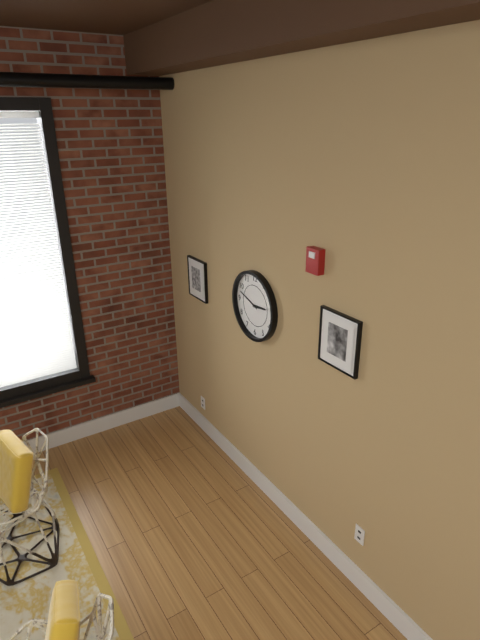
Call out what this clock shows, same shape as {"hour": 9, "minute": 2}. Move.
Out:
{"hour": 2, "minute": 48}
